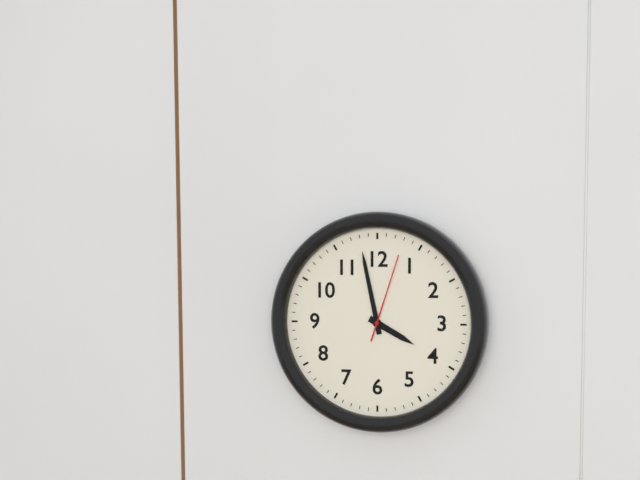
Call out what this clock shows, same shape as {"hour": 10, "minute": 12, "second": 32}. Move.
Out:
{"hour": 3, "minute": 58, "second": 3}
